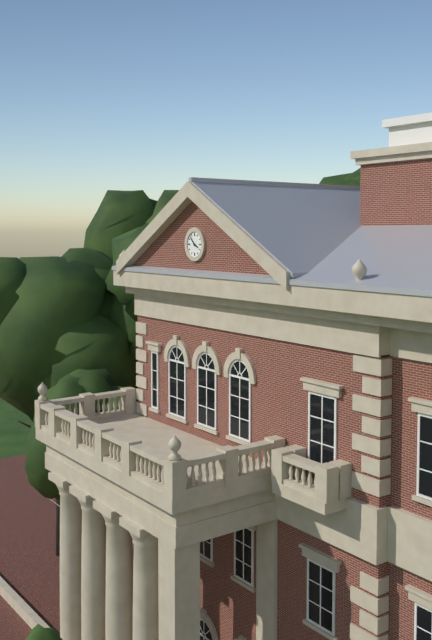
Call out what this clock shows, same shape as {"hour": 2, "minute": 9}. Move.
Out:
{"hour": 3, "minute": 53}
